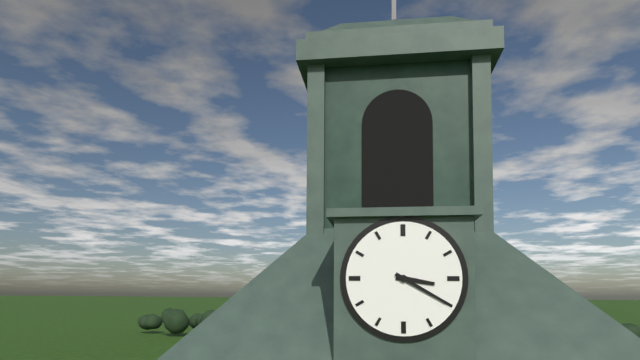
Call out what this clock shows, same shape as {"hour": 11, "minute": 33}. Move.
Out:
{"hour": 3, "minute": 20}
